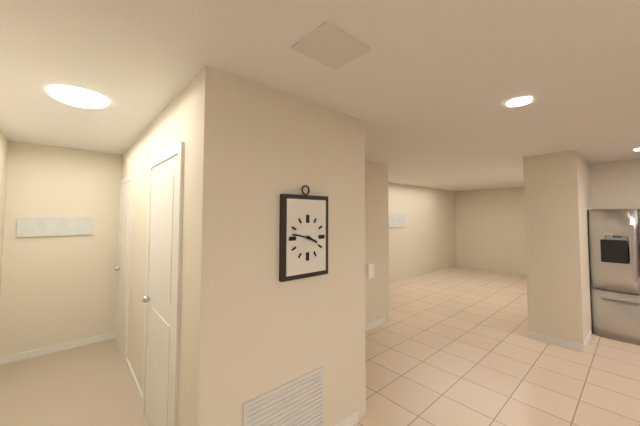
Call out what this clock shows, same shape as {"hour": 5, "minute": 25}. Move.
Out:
{"hour": 3, "minute": 47}
